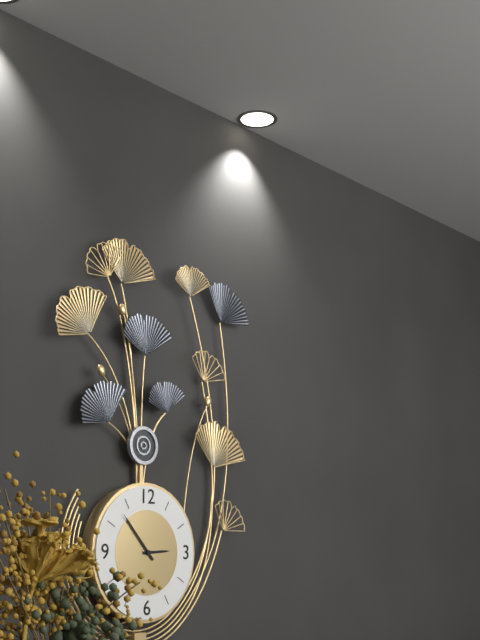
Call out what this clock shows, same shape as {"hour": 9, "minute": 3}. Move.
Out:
{"hour": 2, "minute": 53}
